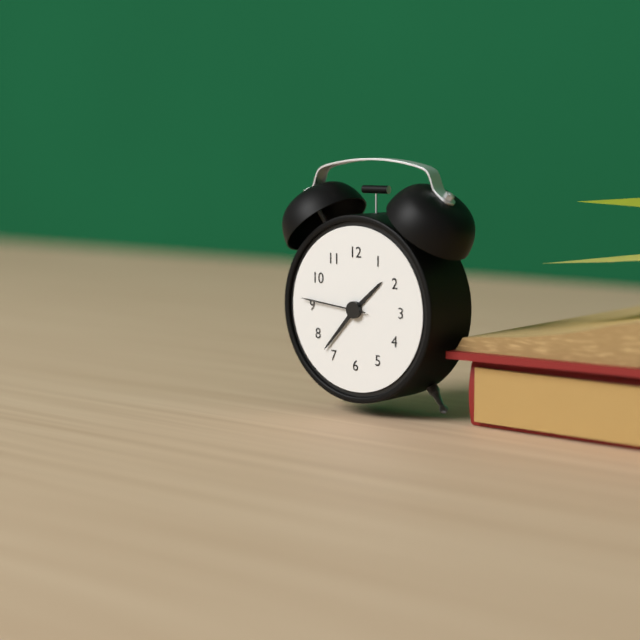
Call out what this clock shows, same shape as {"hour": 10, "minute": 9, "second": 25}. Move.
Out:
{"hour": 1, "minute": 37, "second": 46}
